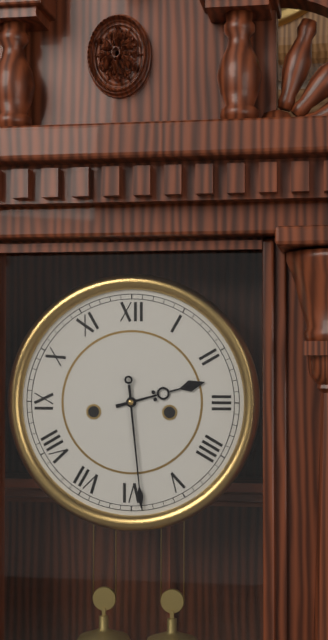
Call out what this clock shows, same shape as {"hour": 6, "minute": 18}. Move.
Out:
{"hour": 2, "minute": 29}
